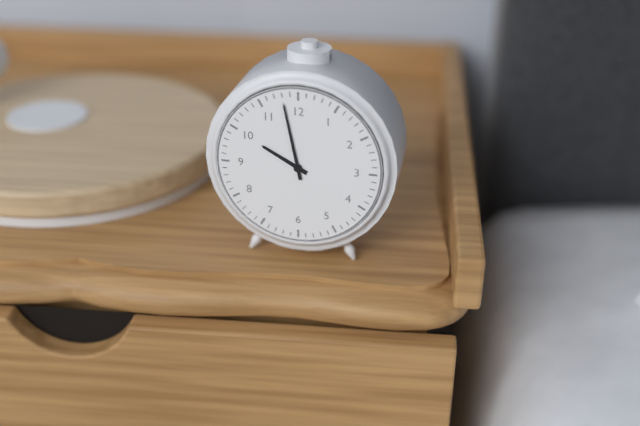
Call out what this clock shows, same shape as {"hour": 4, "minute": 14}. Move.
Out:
{"hour": 9, "minute": 58}
